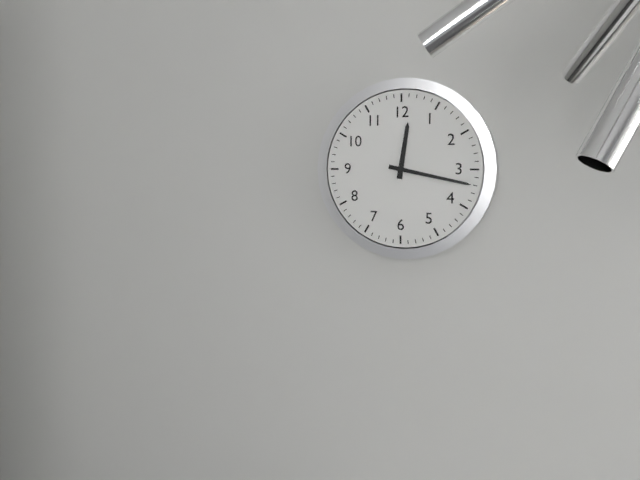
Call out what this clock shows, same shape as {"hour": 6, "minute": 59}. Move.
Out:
{"hour": 12, "minute": 17}
